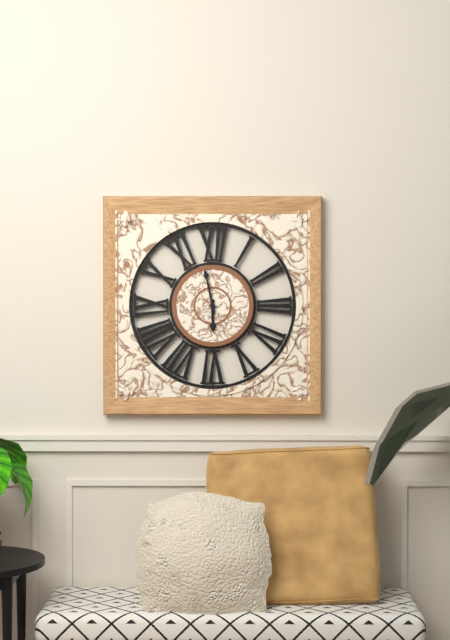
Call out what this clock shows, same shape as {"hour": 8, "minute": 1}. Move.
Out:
{"hour": 5, "minute": 58}
